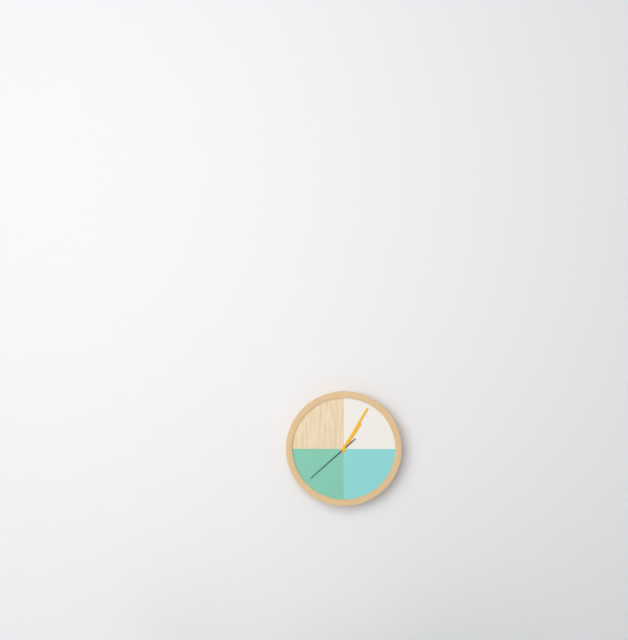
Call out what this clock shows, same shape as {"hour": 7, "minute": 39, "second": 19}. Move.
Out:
{"hour": 1, "minute": 5, "second": 38}
